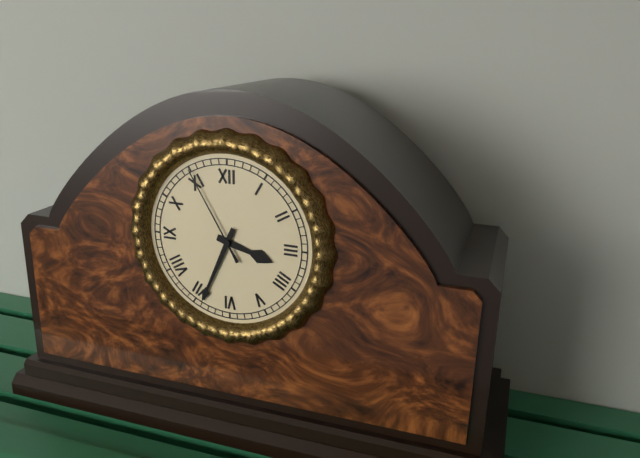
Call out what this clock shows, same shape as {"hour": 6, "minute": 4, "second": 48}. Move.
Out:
{"hour": 3, "minute": 34, "second": 55}
